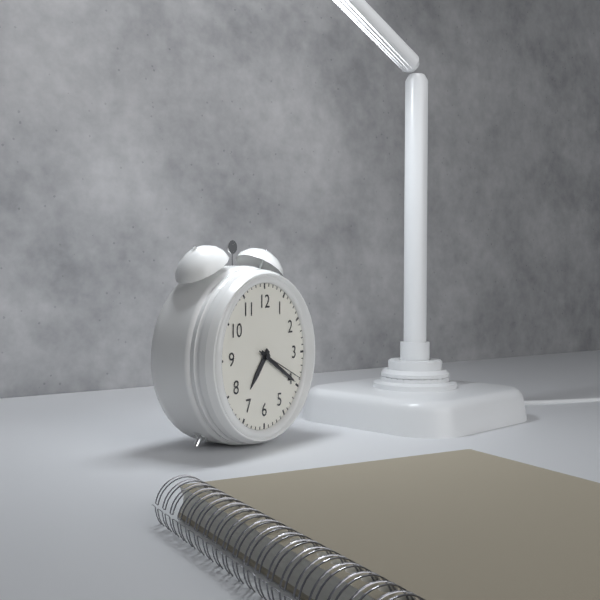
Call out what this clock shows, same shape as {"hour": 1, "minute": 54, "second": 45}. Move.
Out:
{"hour": 7, "minute": 20, "second": 19}
